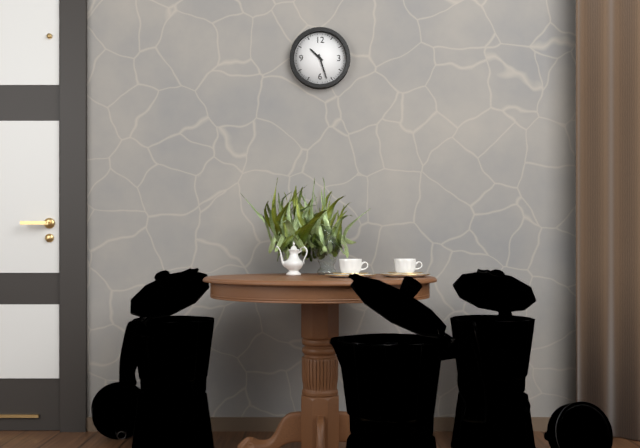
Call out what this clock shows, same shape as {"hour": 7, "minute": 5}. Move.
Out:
{"hour": 10, "minute": 27}
